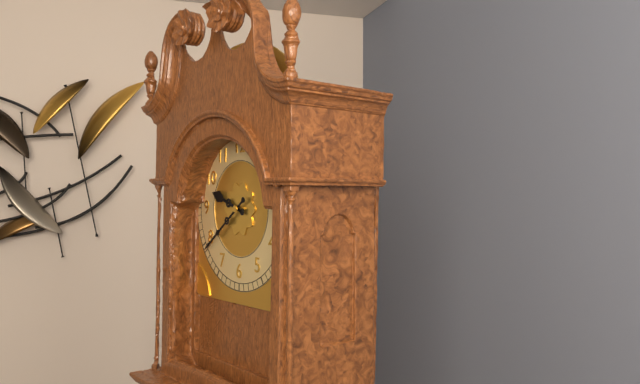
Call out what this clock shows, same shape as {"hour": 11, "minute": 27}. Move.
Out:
{"hour": 9, "minute": 39}
